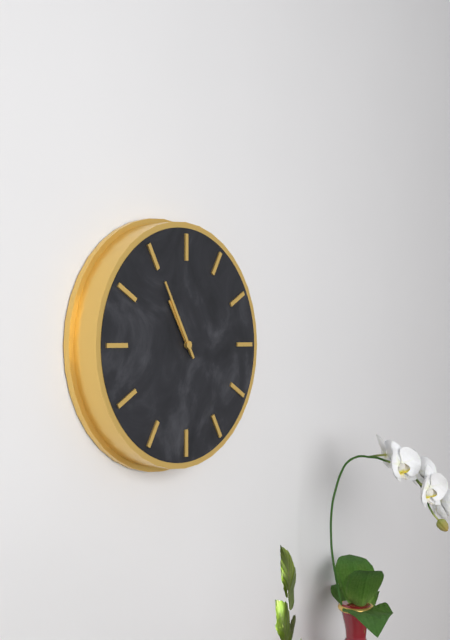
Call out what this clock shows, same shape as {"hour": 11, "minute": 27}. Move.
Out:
{"hour": 10, "minute": 55}
